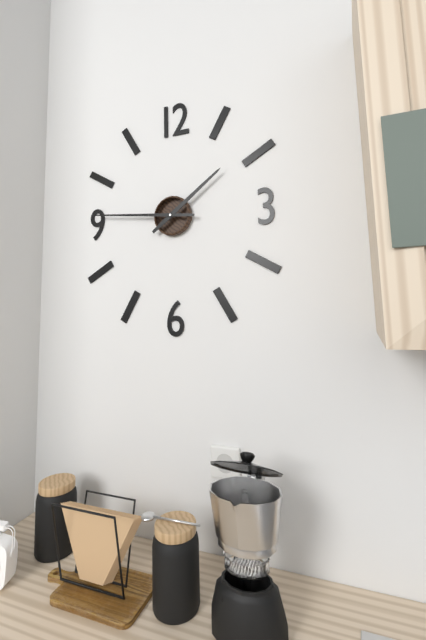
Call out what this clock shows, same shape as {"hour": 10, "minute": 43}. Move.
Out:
{"hour": 1, "minute": 46}
